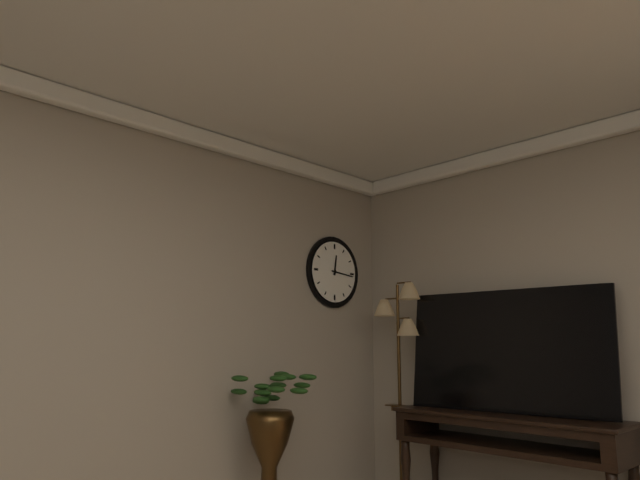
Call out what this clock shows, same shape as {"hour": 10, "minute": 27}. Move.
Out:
{"hour": 12, "minute": 16}
